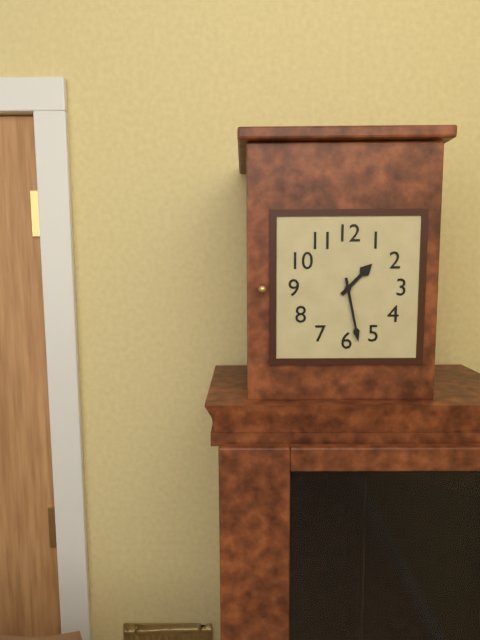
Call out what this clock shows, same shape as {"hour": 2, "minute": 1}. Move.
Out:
{"hour": 1, "minute": 28}
